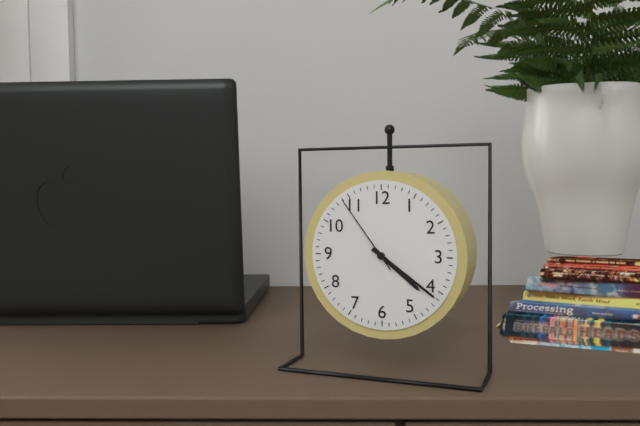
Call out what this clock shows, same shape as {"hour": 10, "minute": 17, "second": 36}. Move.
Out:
{"hour": 4, "minute": 21, "second": 54}
